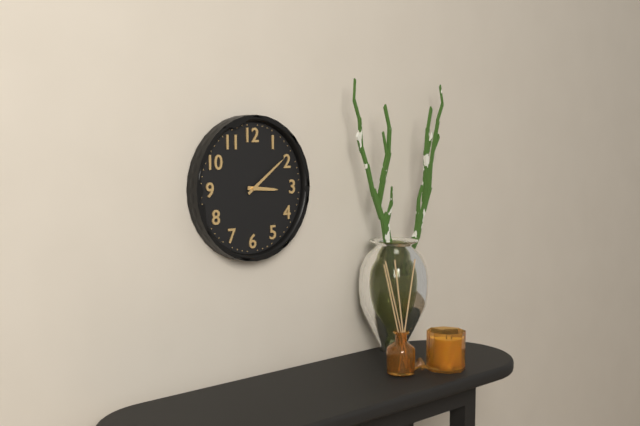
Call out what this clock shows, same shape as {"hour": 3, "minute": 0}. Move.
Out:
{"hour": 3, "minute": 9}
